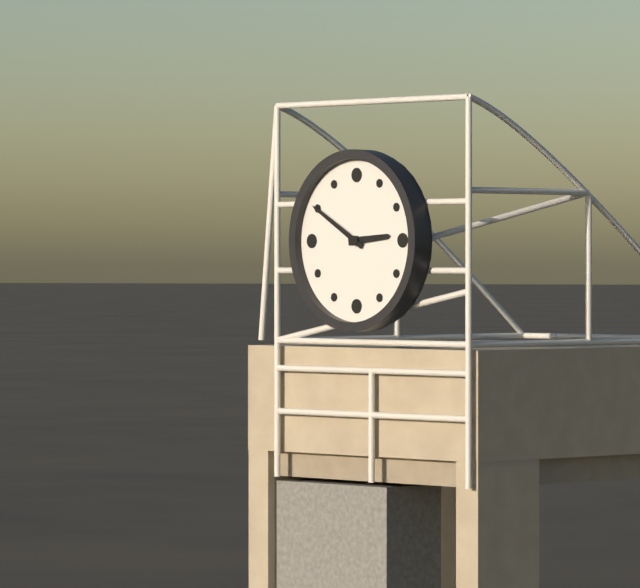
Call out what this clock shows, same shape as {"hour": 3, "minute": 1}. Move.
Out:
{"hour": 2, "minute": 50}
